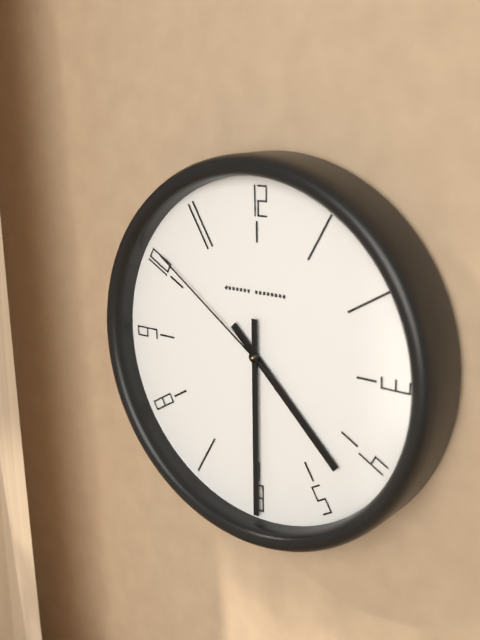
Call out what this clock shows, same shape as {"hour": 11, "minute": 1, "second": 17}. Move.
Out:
{"hour": 4, "minute": 30, "second": 51}
